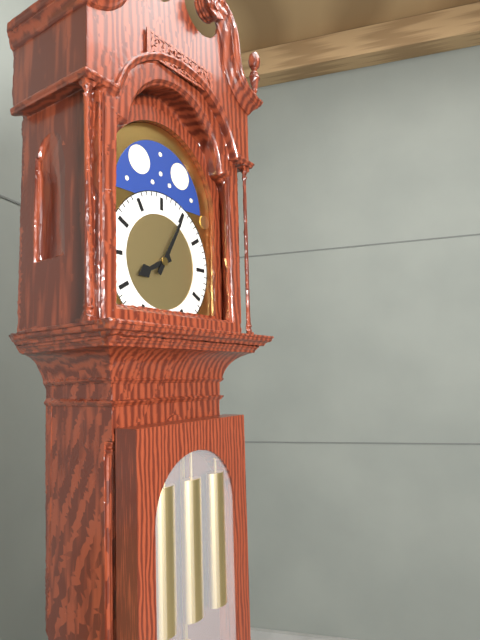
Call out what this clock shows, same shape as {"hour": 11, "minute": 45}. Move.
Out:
{"hour": 8, "minute": 5}
